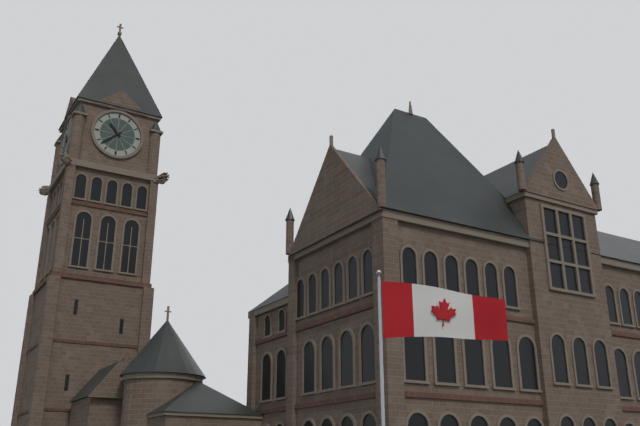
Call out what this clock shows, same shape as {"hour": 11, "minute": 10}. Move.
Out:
{"hour": 10, "minute": 38}
